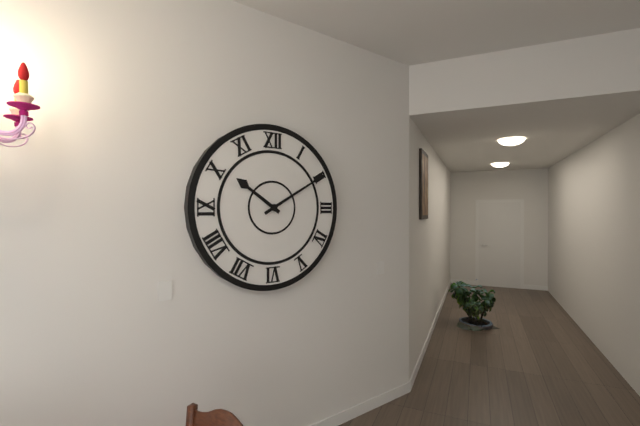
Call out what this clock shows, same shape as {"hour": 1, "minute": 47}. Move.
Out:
{"hour": 10, "minute": 10}
